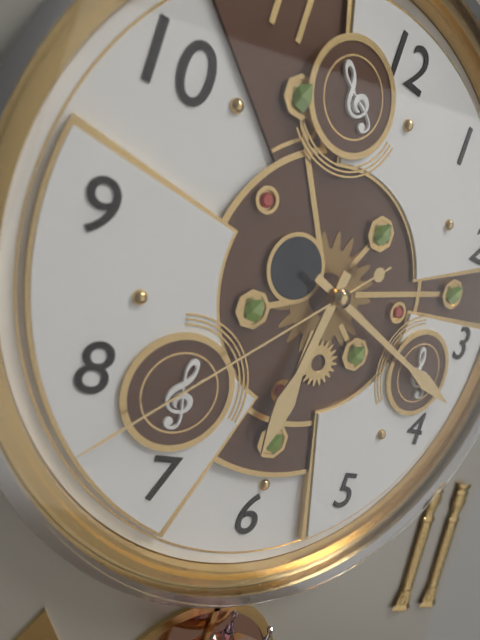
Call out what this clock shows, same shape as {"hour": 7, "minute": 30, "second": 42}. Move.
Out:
{"hour": 6, "minute": 18, "second": 38}
